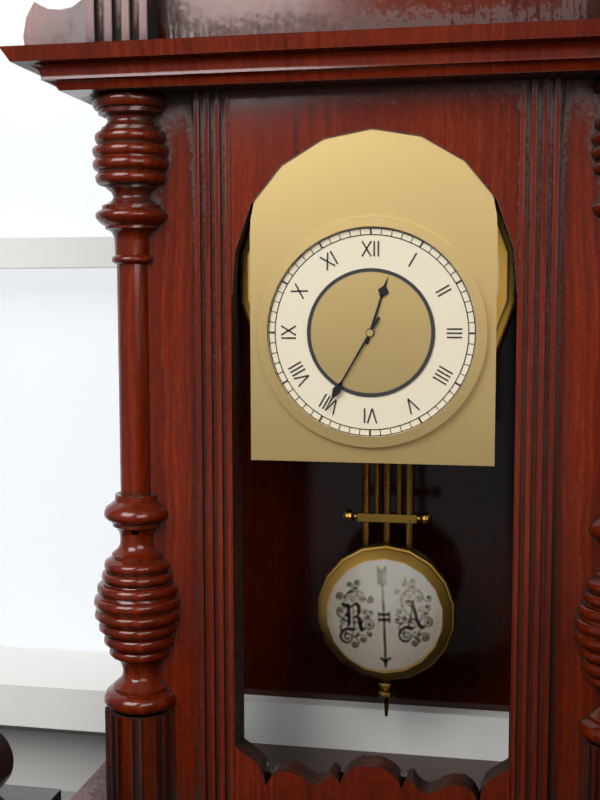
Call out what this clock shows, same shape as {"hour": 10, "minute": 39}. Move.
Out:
{"hour": 12, "minute": 35}
